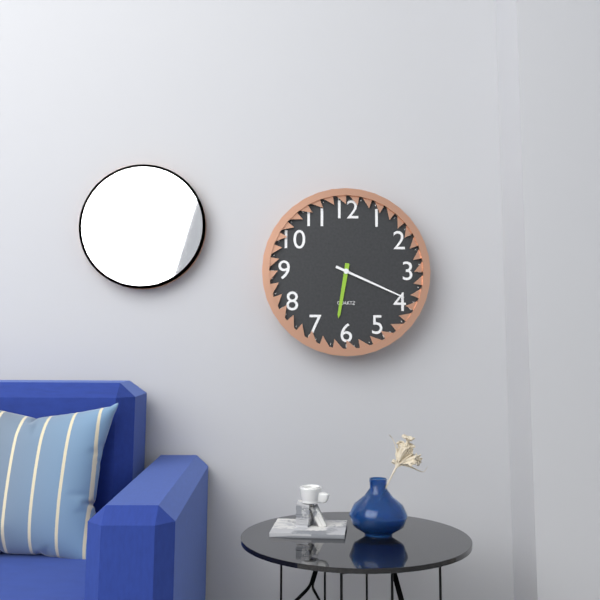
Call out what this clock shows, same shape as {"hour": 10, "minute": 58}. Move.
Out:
{"hour": 6, "minute": 19}
